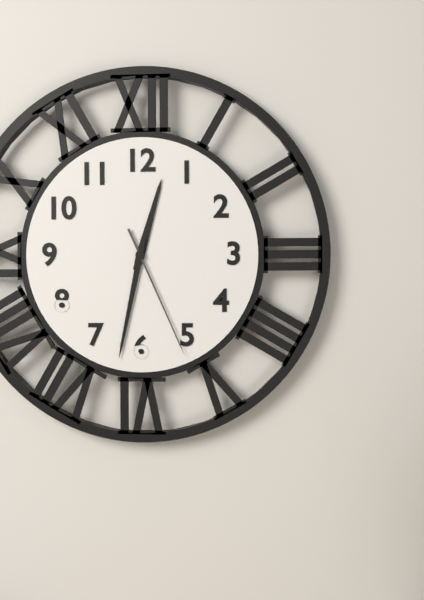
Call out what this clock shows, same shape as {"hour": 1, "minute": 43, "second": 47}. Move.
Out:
{"hour": 12, "minute": 32, "second": 26}
